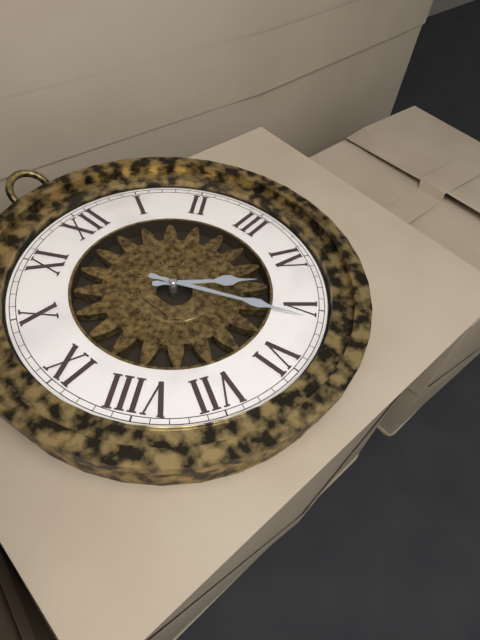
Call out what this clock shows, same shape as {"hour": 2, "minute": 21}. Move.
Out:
{"hour": 4, "minute": 26}
